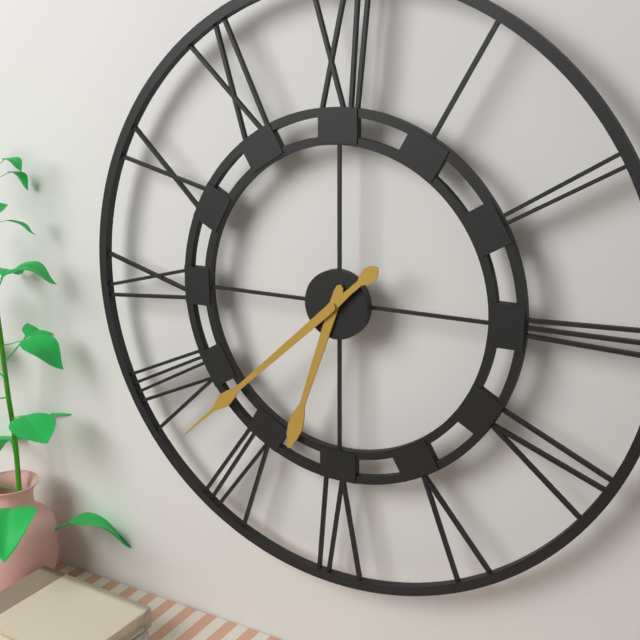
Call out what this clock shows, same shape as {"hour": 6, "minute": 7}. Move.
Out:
{"hour": 6, "minute": 38}
